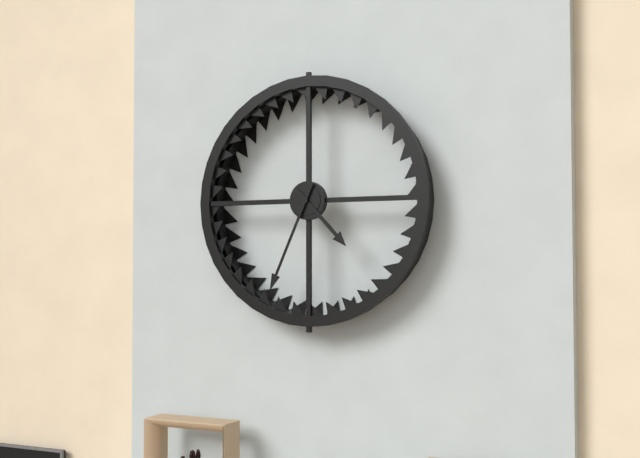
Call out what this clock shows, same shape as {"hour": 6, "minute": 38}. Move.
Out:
{"hour": 4, "minute": 34}
